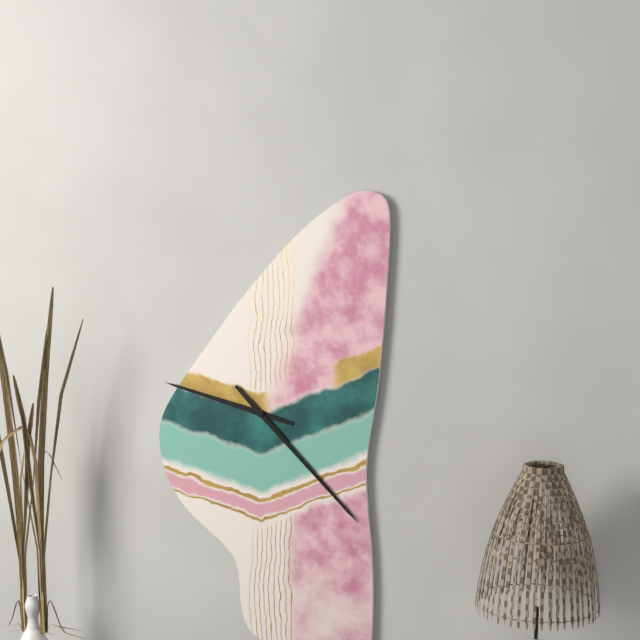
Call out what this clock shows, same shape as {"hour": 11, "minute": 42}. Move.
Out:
{"hour": 9, "minute": 22}
